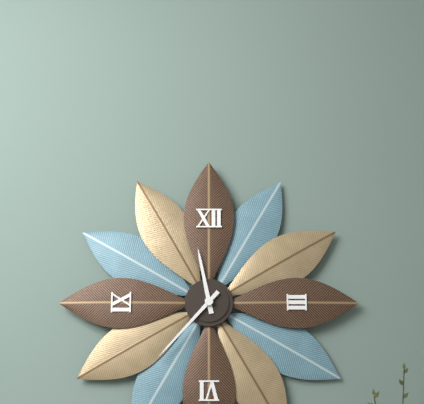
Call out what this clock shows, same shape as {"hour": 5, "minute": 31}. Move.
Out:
{"hour": 11, "minute": 37}
